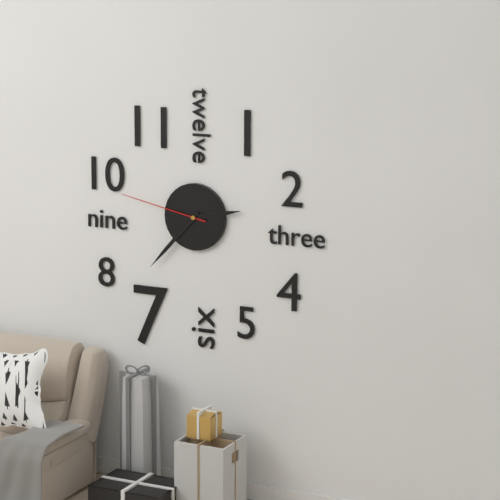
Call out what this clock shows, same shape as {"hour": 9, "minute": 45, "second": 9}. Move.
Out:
{"hour": 2, "minute": 37, "second": 47}
